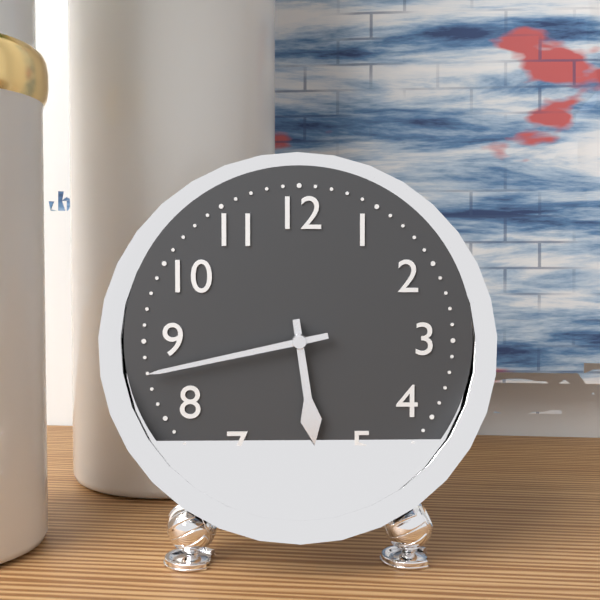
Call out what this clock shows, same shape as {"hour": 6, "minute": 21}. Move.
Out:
{"hour": 5, "minute": 43}
